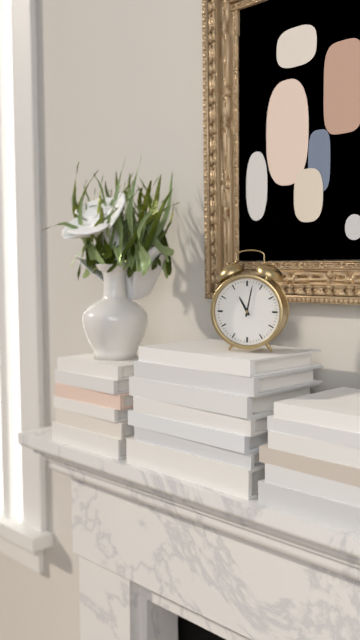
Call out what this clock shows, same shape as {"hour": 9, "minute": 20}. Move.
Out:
{"hour": 11, "minute": 2}
